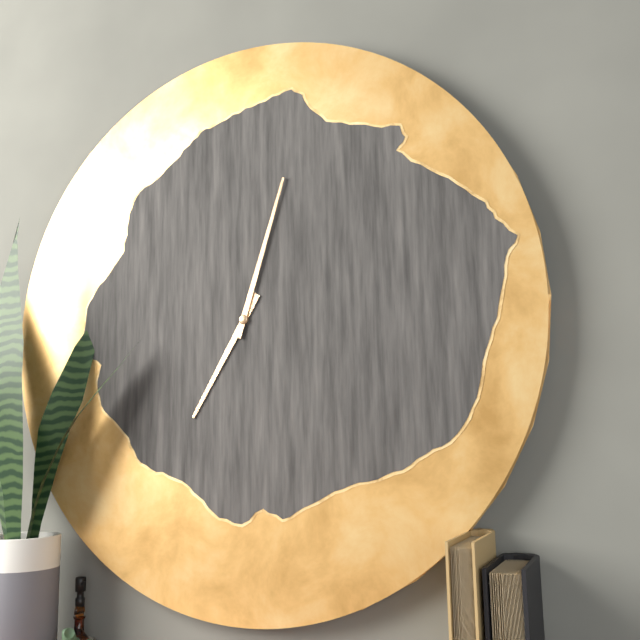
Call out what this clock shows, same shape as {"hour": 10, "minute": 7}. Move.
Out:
{"hour": 7, "minute": 3}
